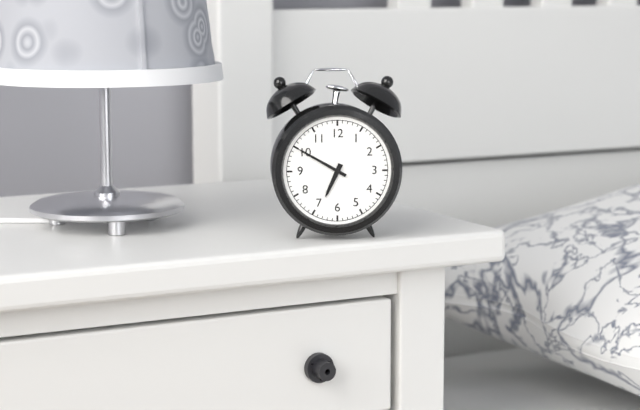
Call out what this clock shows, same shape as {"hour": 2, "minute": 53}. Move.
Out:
{"hour": 6, "minute": 50}
